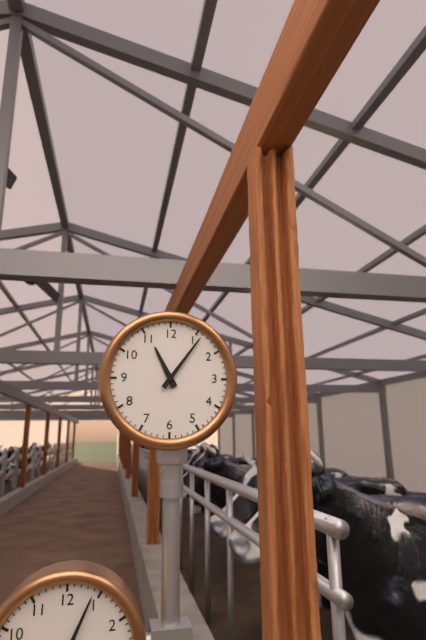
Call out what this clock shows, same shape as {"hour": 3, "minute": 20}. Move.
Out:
{"hour": 11, "minute": 6}
